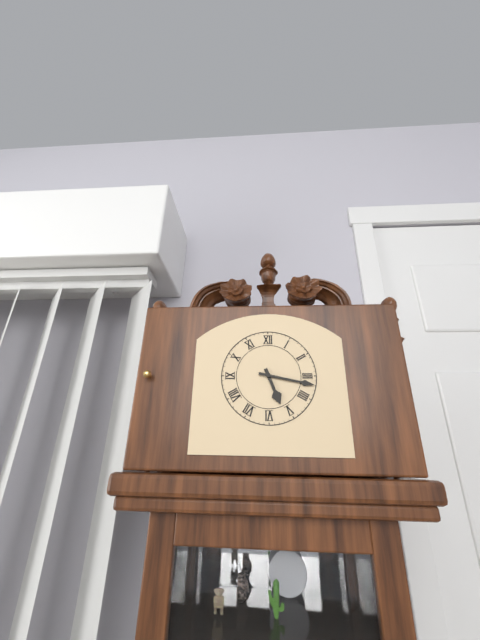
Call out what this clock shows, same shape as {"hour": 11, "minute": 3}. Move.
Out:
{"hour": 5, "minute": 17}
